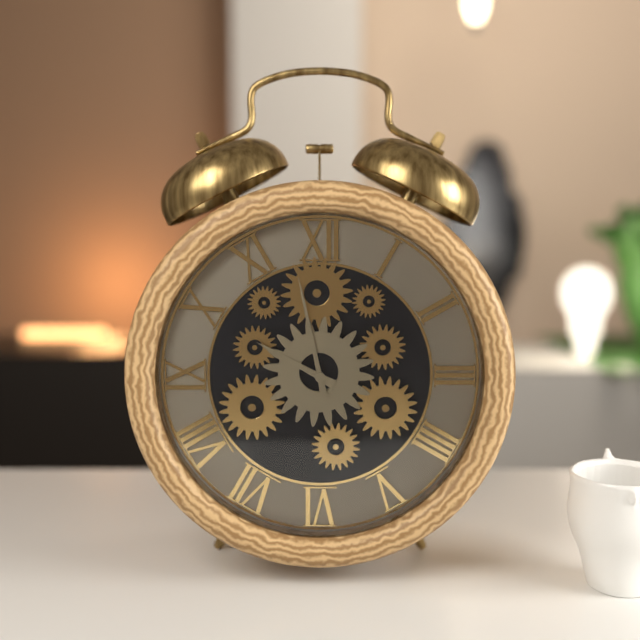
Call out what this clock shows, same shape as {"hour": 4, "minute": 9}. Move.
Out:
{"hour": 9, "minute": 58}
